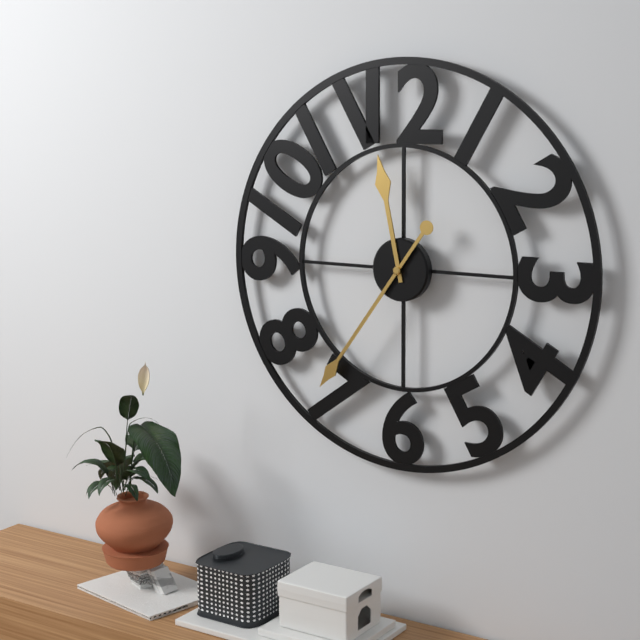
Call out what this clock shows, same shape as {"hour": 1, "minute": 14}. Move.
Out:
{"hour": 11, "minute": 36}
